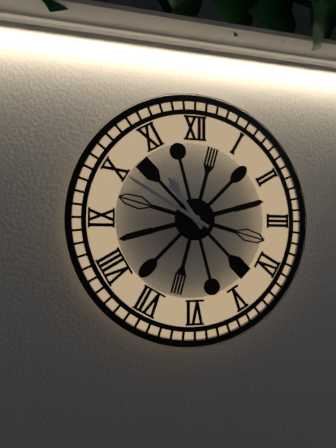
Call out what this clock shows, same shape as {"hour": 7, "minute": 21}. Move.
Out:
{"hour": 10, "minute": 50}
